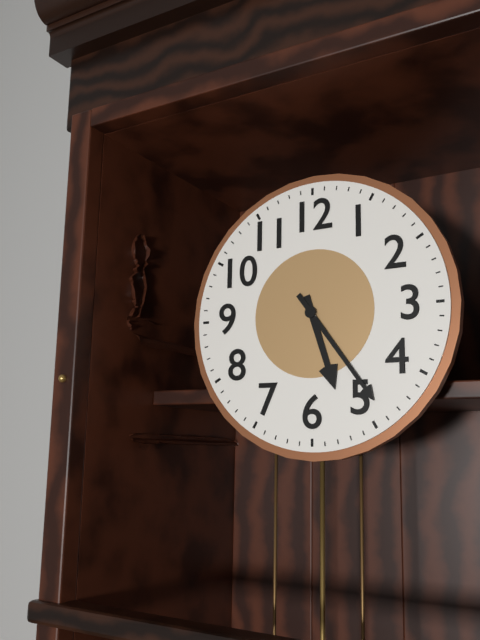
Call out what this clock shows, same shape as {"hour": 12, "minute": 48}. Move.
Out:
{"hour": 5, "minute": 24}
